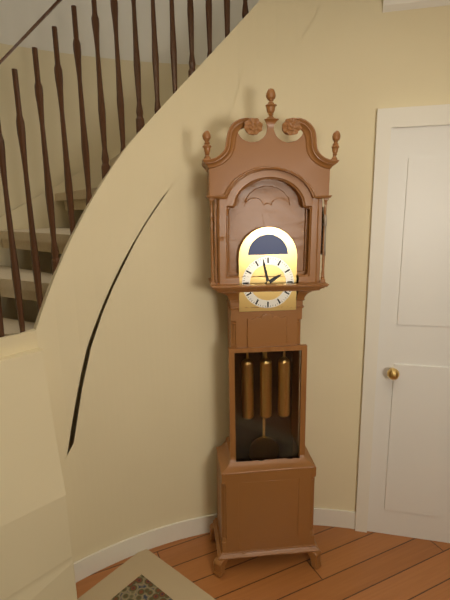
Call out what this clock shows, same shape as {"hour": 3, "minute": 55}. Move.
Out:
{"hour": 1, "minute": 58}
